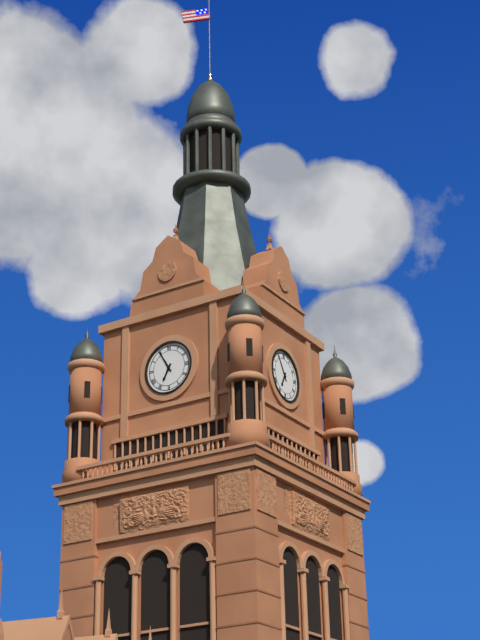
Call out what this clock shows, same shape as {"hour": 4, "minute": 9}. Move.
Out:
{"hour": 6, "minute": 55}
